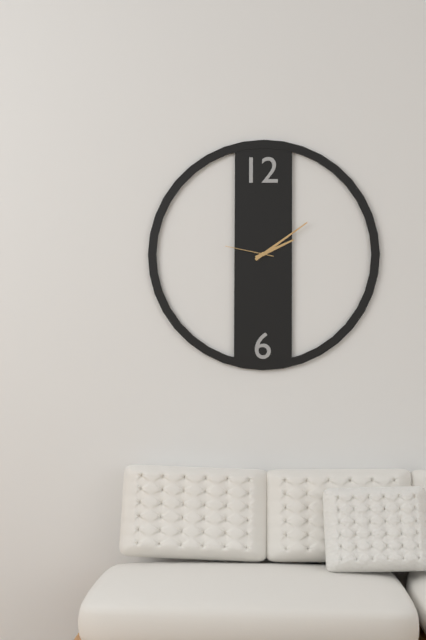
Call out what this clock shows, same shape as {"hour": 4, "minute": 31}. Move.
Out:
{"hour": 2, "minute": 9}
